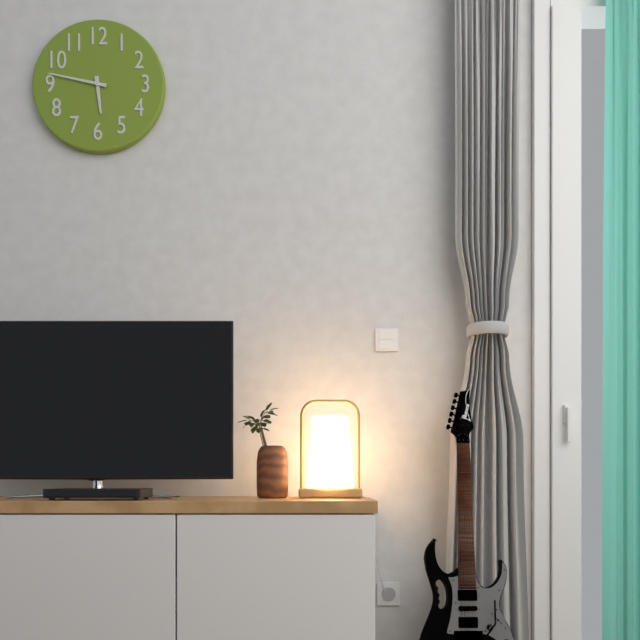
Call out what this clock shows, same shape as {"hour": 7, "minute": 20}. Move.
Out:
{"hour": 5, "minute": 47}
